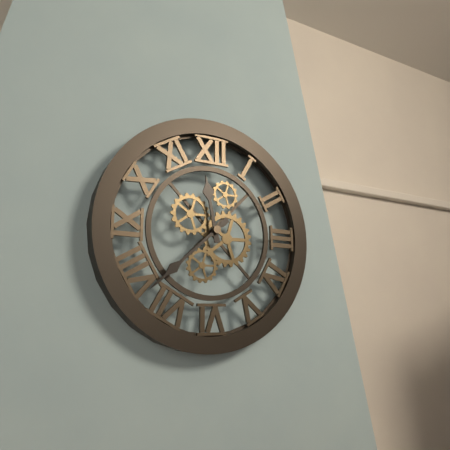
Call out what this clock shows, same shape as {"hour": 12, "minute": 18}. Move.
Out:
{"hour": 11, "minute": 38}
